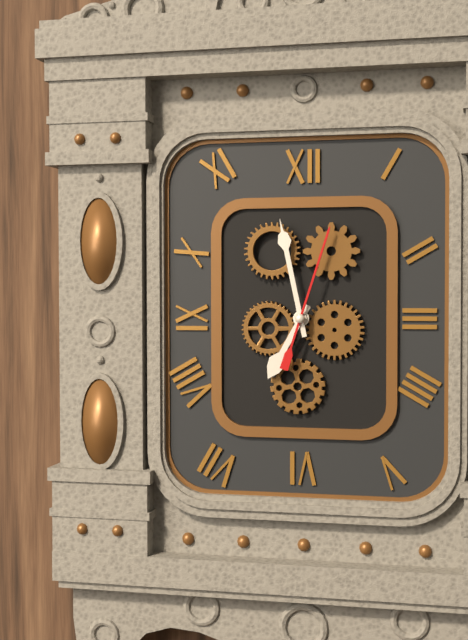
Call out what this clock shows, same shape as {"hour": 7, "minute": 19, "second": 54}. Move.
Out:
{"hour": 6, "minute": 58, "second": 3}
